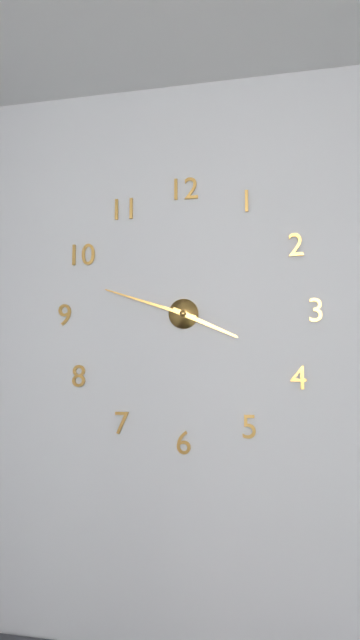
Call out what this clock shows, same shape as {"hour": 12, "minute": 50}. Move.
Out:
{"hour": 3, "minute": 48}
